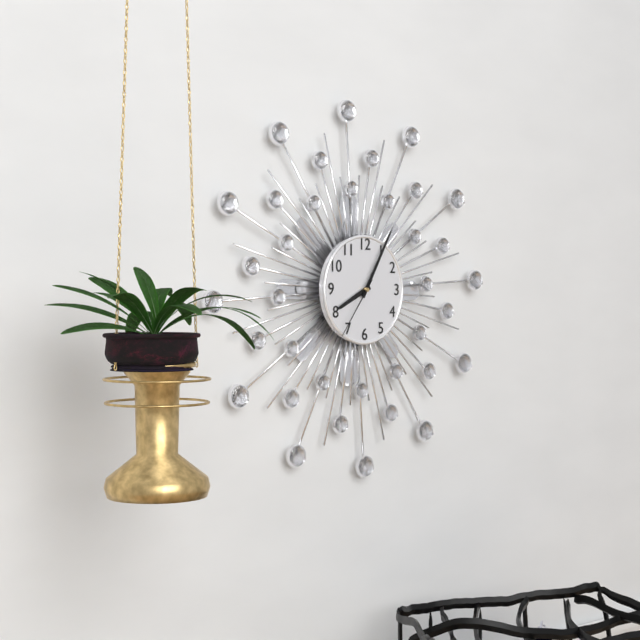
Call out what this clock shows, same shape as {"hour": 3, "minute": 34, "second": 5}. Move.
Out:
{"hour": 8, "minute": 5, "second": 36}
